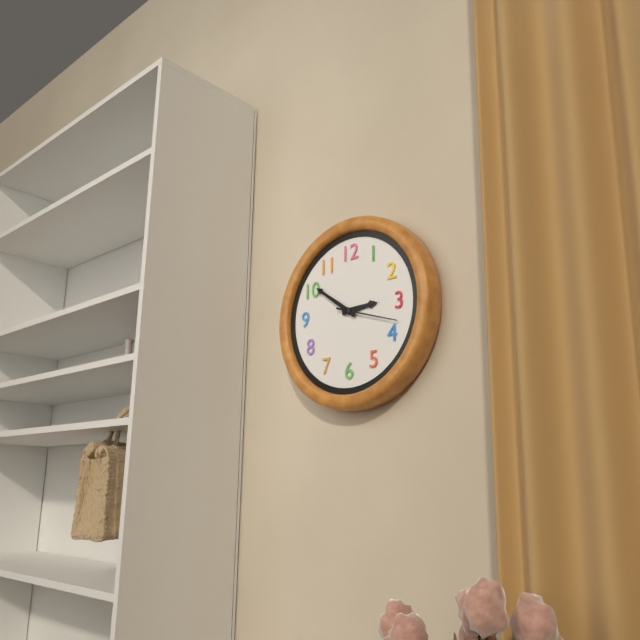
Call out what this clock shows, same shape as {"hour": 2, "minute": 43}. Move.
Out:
{"hour": 2, "minute": 51}
